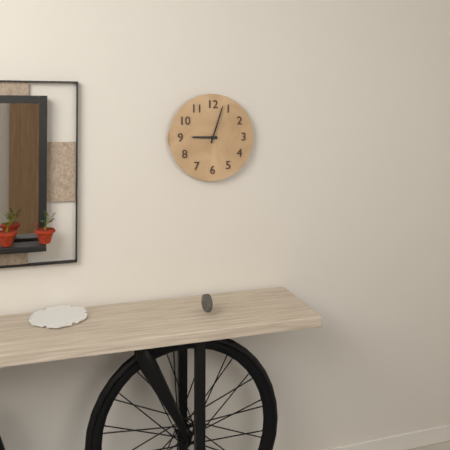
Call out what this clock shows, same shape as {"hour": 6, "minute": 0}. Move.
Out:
{"hour": 9, "minute": 3}
